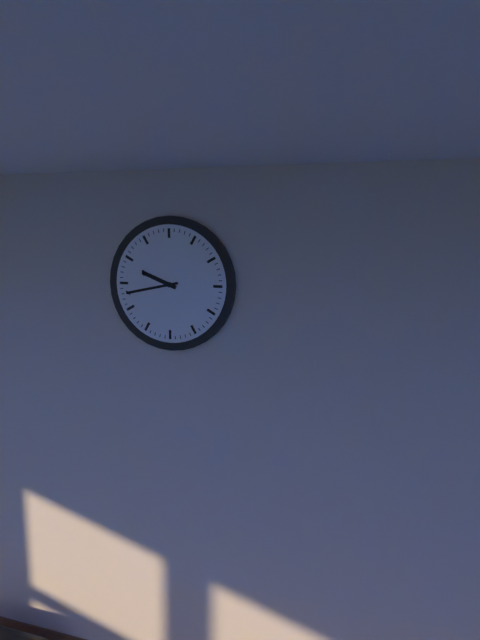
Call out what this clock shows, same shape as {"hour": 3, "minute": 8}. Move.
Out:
{"hour": 9, "minute": 43}
